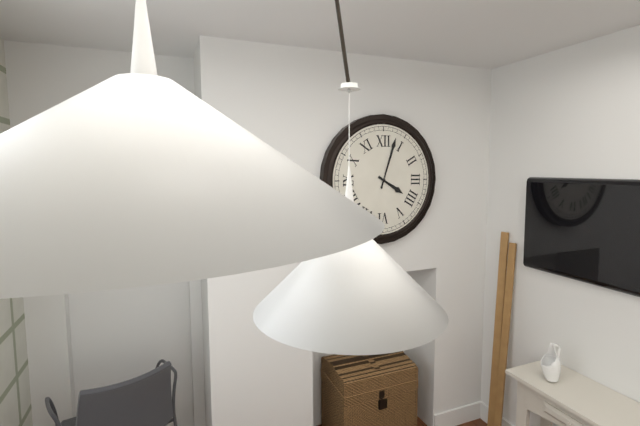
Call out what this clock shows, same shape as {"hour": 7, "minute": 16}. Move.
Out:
{"hour": 4, "minute": 3}
